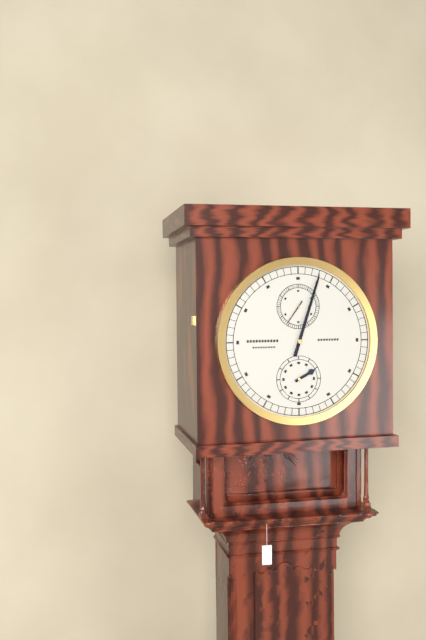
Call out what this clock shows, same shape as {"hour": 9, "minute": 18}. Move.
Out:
{"hour": 2, "minute": 3}
